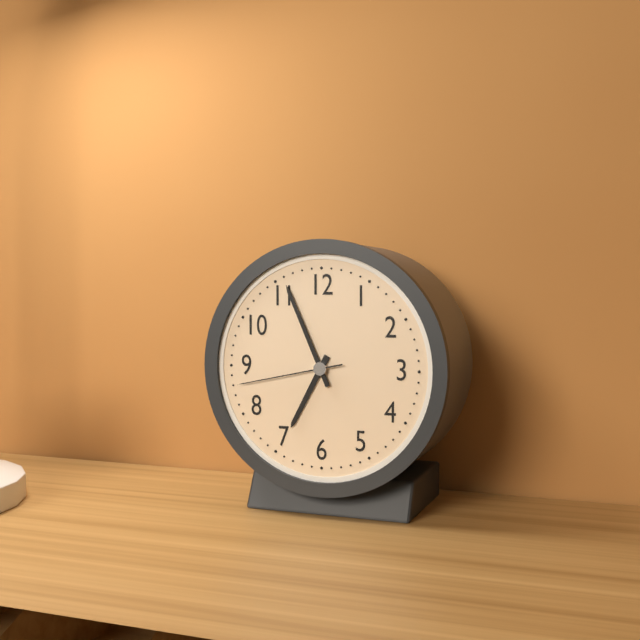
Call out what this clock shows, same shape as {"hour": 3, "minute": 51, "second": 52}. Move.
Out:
{"hour": 6, "minute": 56, "second": 43}
